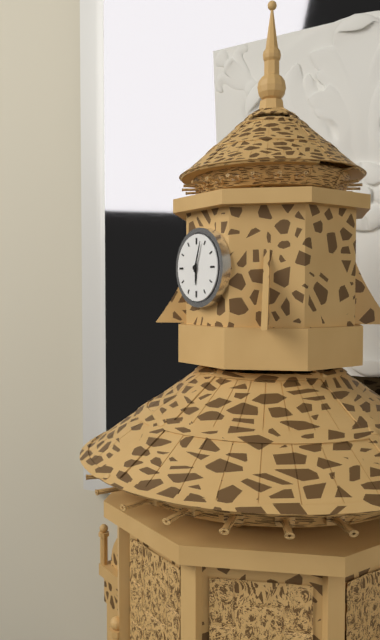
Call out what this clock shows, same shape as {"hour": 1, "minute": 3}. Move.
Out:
{"hour": 6, "minute": 3}
